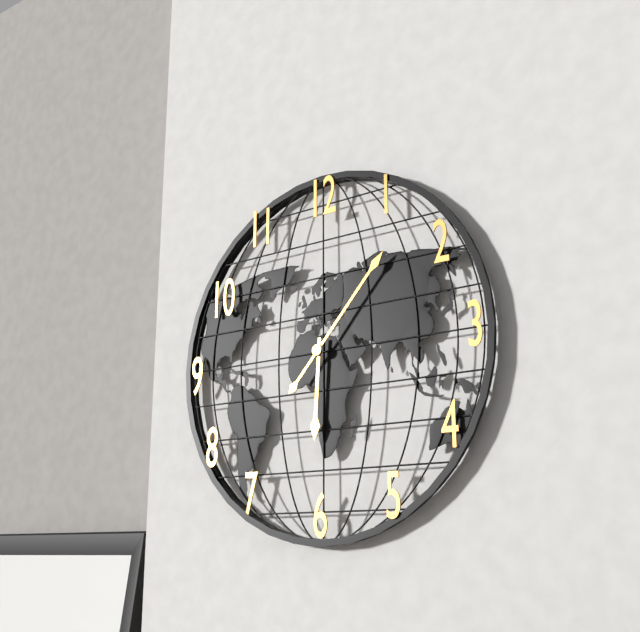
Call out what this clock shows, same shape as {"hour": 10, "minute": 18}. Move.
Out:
{"hour": 6, "minute": 7}
